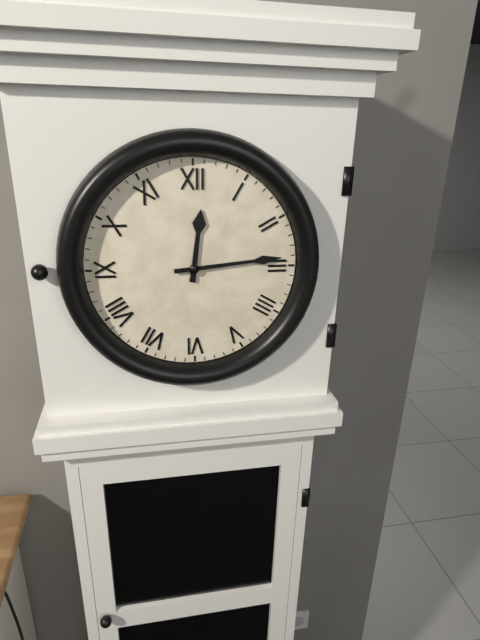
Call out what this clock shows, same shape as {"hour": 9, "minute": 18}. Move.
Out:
{"hour": 12, "minute": 14}
